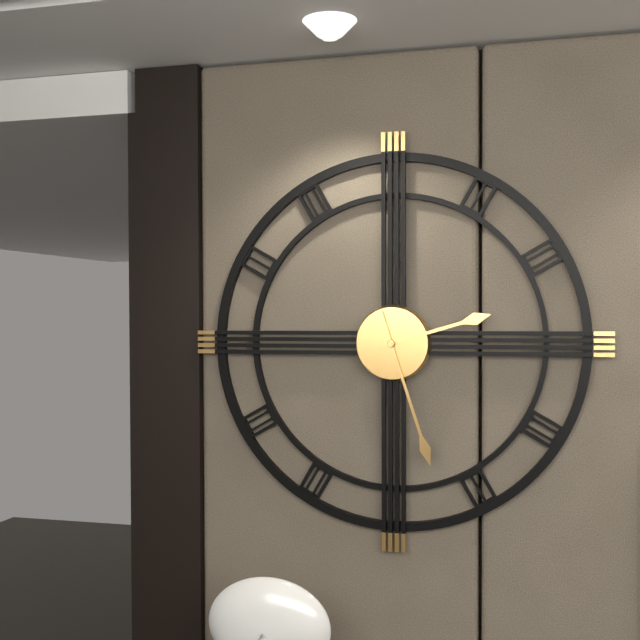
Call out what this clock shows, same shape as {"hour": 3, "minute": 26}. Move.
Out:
{"hour": 2, "minute": 27}
